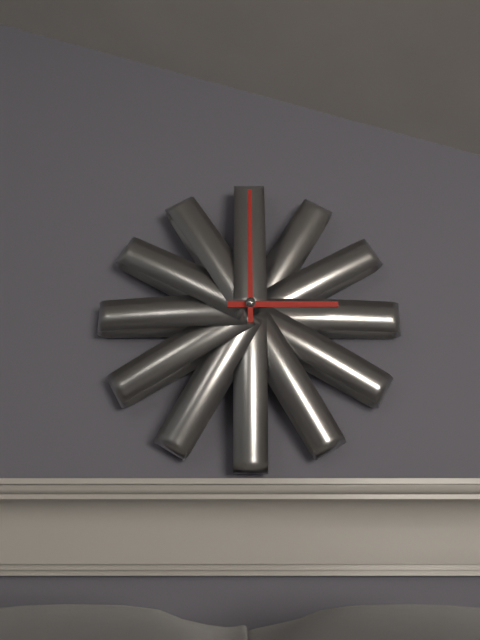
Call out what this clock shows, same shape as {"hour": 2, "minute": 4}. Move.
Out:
{"hour": 3, "minute": 0}
